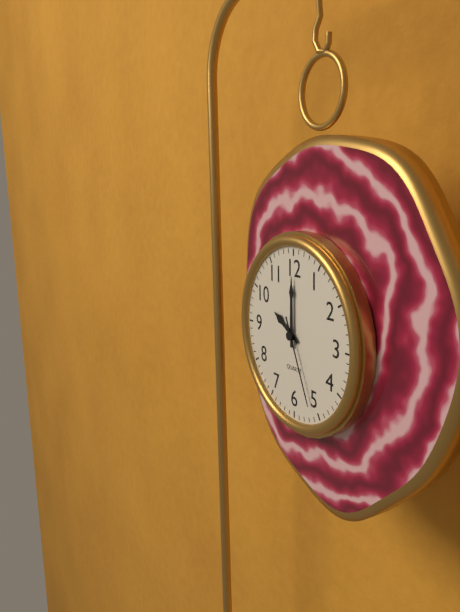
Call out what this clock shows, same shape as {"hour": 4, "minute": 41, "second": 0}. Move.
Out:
{"hour": 10, "minute": 0, "second": 26}
